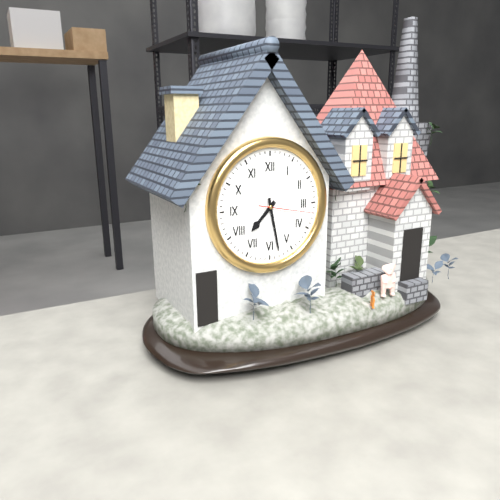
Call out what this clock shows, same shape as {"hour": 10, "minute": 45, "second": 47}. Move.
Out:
{"hour": 7, "minute": 28, "second": 17}
